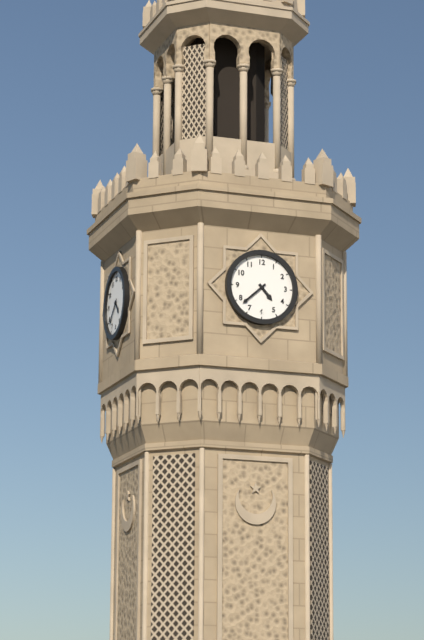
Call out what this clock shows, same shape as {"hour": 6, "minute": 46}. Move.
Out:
{"hour": 4, "minute": 38}
